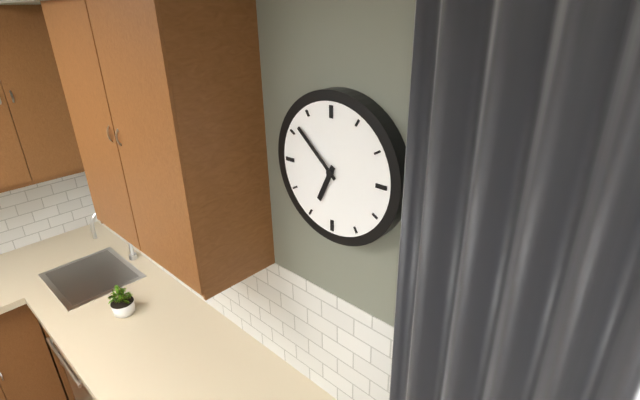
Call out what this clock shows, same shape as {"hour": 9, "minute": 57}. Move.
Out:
{"hour": 6, "minute": 52}
